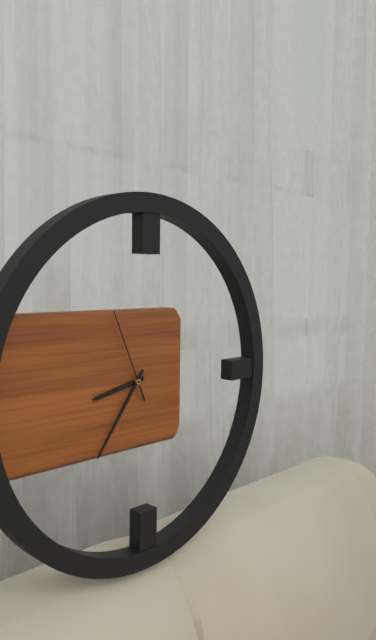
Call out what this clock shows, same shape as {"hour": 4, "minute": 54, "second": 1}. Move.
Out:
{"hour": 8, "minute": 36, "second": 56}
